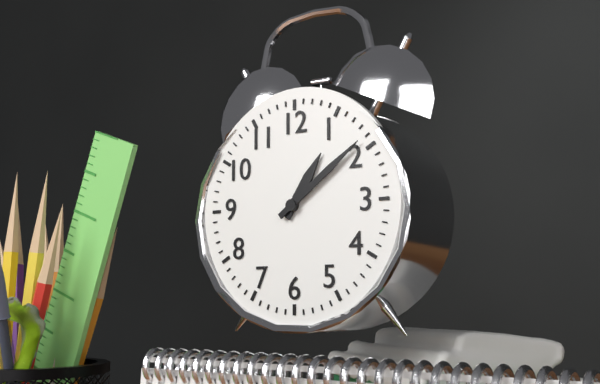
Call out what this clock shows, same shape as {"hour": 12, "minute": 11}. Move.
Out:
{"hour": 1, "minute": 9}
